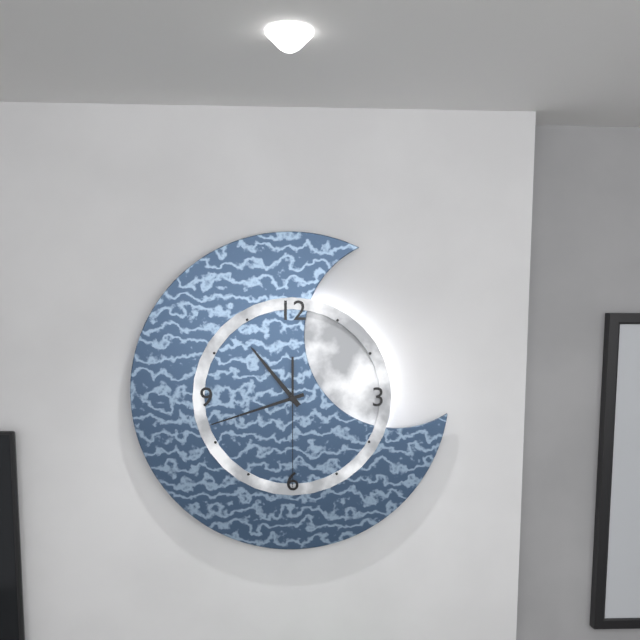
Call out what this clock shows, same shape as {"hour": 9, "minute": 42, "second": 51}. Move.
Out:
{"hour": 10, "minute": 42, "second": 30}
